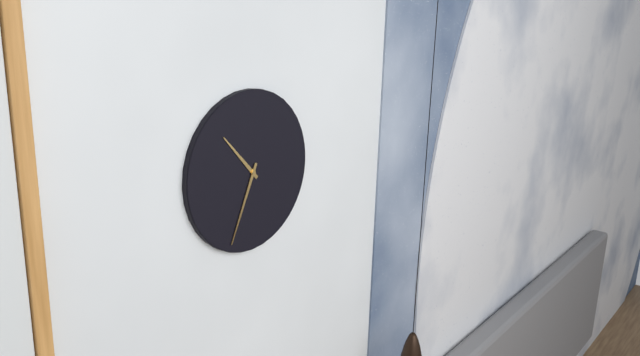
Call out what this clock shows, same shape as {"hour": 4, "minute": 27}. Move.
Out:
{"hour": 10, "minute": 34}
